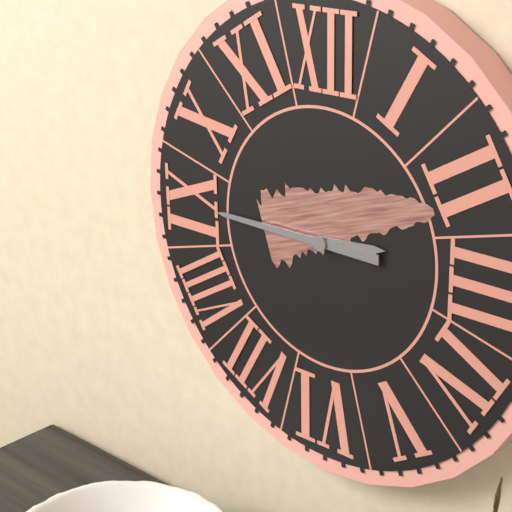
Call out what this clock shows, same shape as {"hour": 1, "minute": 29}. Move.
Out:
{"hour": 2, "minute": 45}
